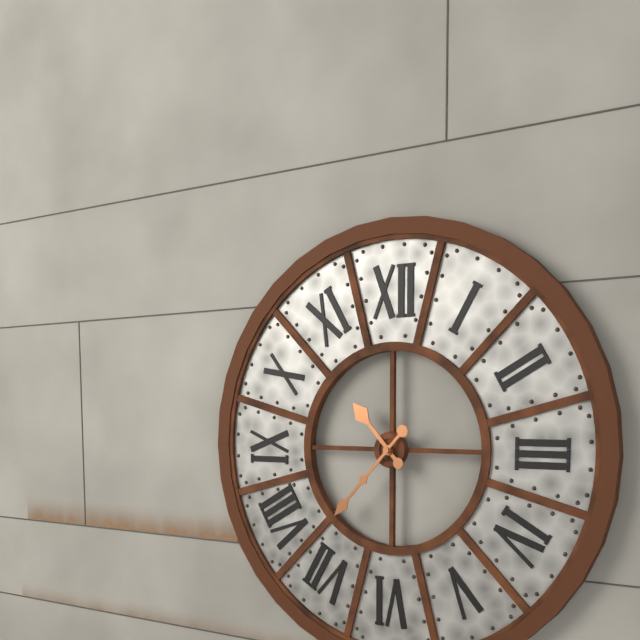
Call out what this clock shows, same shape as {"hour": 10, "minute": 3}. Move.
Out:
{"hour": 10, "minute": 37}
